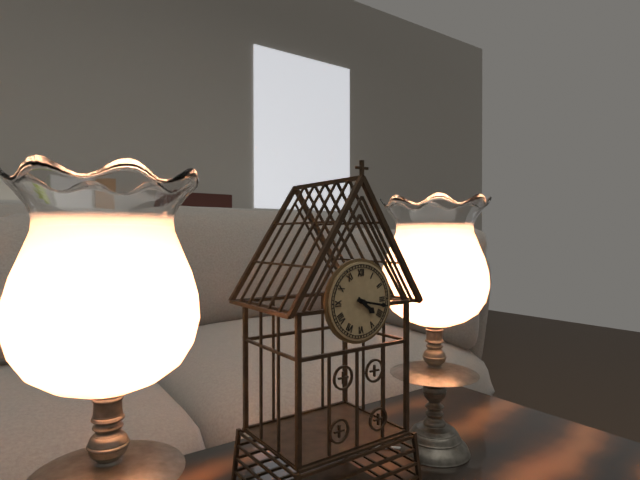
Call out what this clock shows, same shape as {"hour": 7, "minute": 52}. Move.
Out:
{"hour": 4, "minute": 17}
